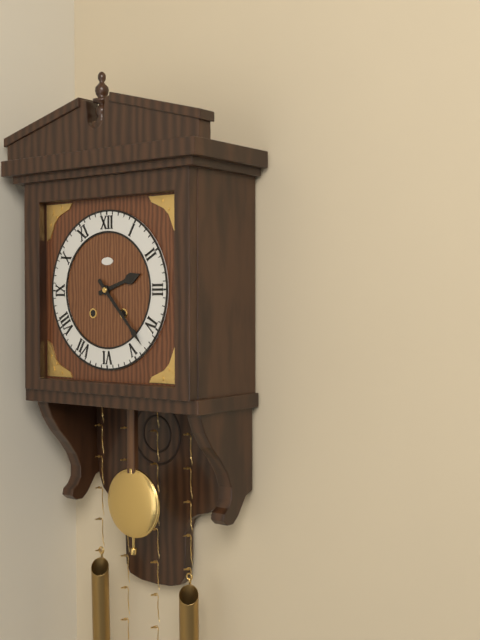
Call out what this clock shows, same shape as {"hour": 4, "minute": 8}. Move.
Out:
{"hour": 2, "minute": 23}
